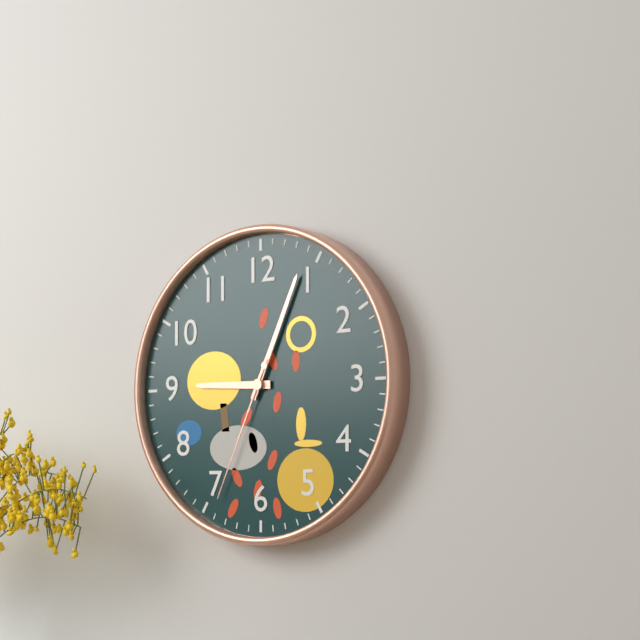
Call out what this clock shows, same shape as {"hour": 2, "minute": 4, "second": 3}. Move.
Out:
{"hour": 9, "minute": 4, "second": 34}
